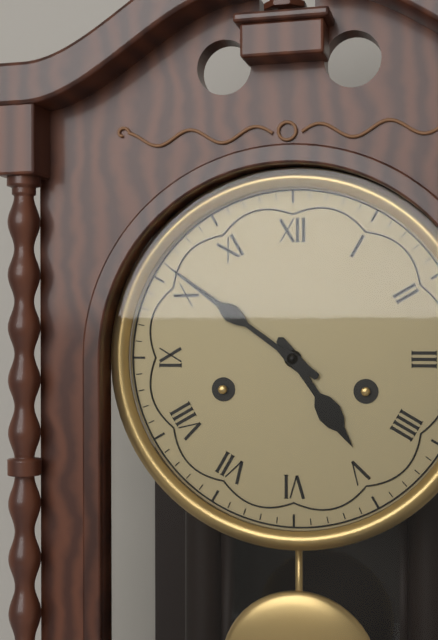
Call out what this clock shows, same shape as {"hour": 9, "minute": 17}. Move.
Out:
{"hour": 4, "minute": 51}
